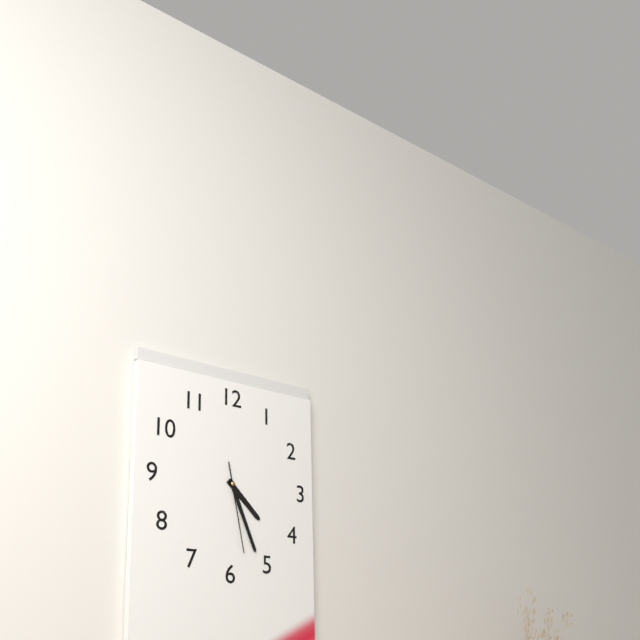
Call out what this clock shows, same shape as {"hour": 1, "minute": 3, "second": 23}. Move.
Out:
{"hour": 4, "minute": 26, "second": 28}
